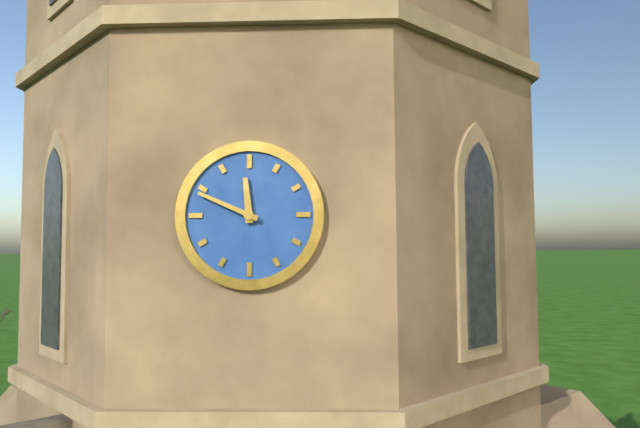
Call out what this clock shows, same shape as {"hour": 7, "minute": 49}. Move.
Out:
{"hour": 11, "minute": 49}
